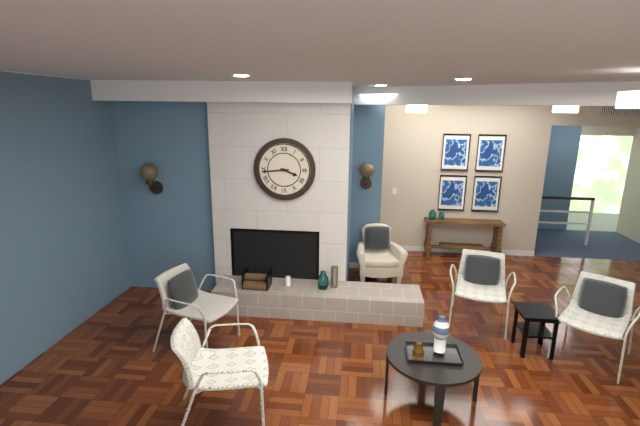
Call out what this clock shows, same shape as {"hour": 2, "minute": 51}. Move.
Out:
{"hour": 3, "minute": 44}
